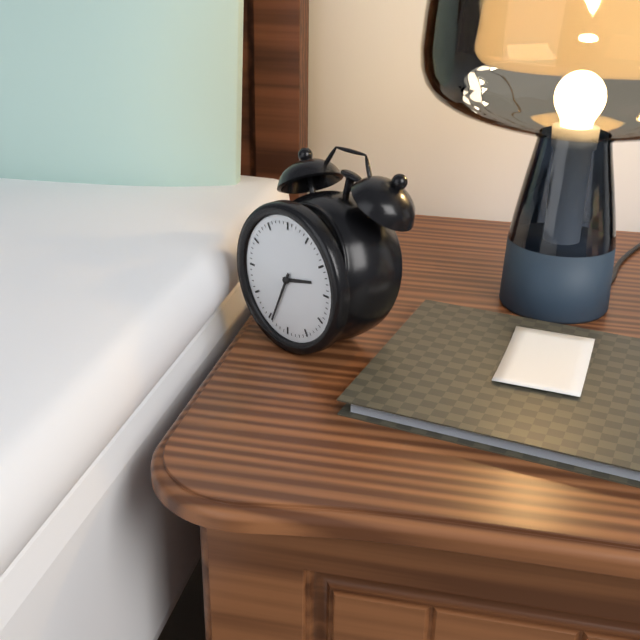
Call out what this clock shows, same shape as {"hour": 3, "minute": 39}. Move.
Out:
{"hour": 2, "minute": 34}
